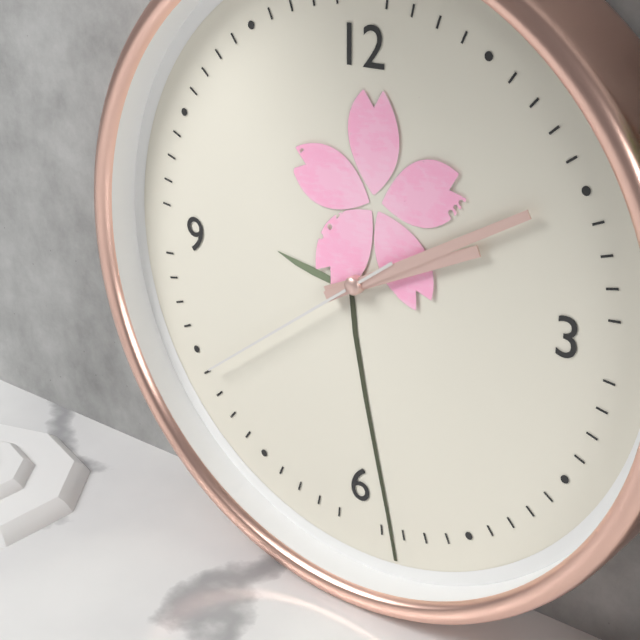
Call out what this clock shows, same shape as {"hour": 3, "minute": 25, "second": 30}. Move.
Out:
{"hour": 2, "minute": 10, "second": 39}
